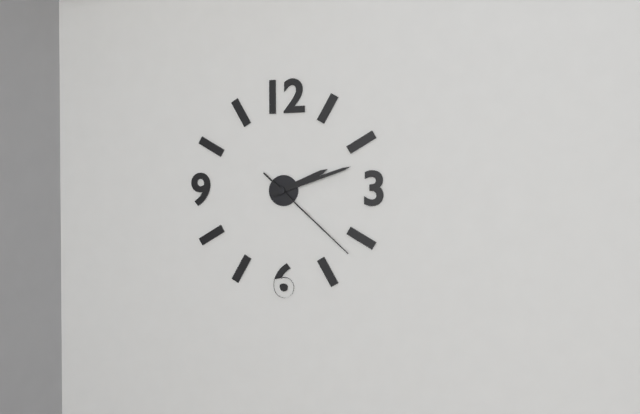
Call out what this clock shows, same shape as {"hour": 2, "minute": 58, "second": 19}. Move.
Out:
{"hour": 2, "minute": 12, "second": 22}
